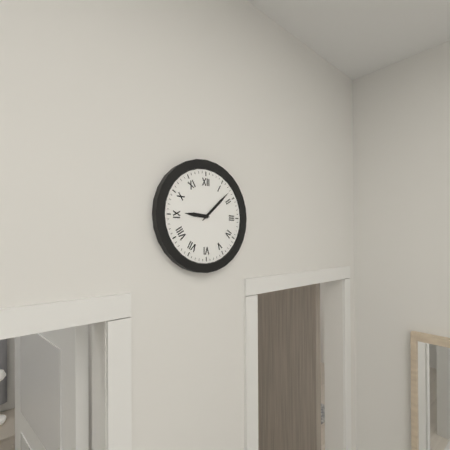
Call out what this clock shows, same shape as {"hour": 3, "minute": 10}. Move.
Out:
{"hour": 9, "minute": 8}
